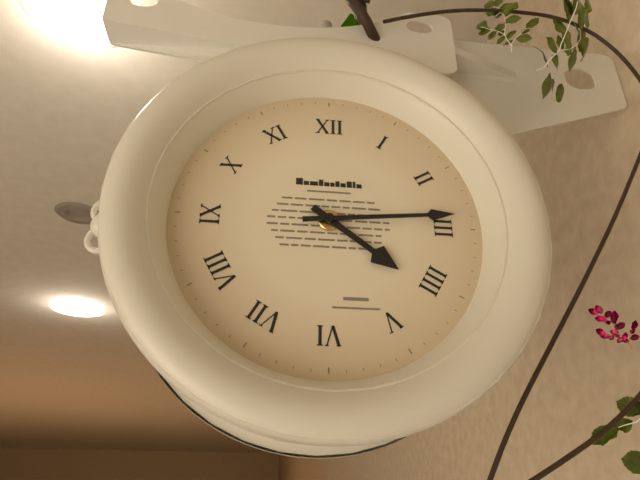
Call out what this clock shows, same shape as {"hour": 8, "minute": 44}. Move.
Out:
{"hour": 4, "minute": 14}
